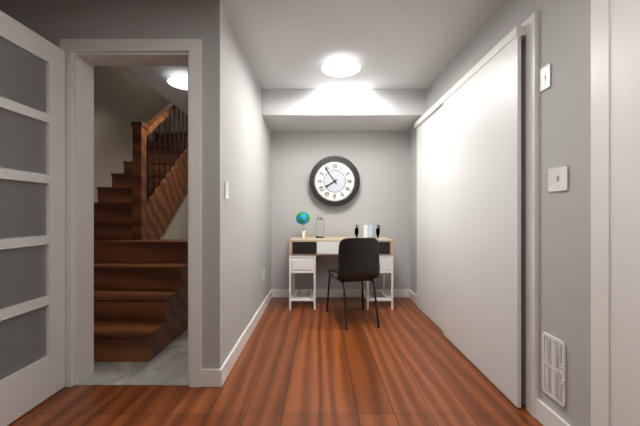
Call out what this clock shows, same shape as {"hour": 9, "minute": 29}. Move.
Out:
{"hour": 7, "minute": 54}
